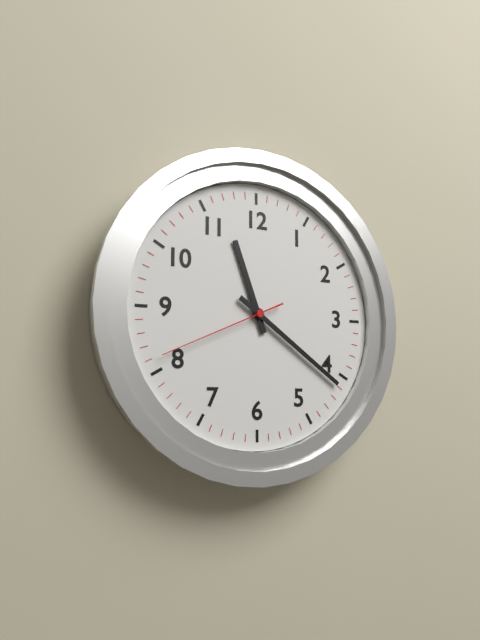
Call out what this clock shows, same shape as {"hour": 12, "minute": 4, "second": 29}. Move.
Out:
{"hour": 11, "minute": 21, "second": 41}
